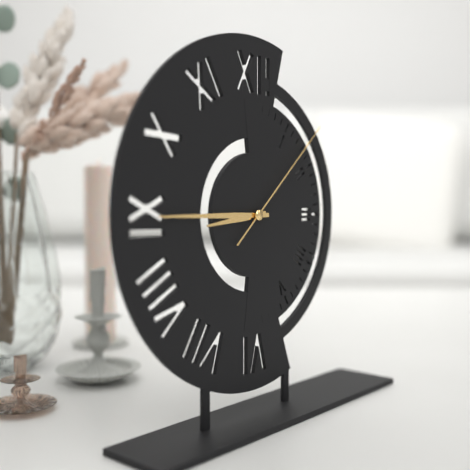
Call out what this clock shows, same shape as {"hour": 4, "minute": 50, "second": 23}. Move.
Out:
{"hour": 8, "minute": 45, "second": 8}
